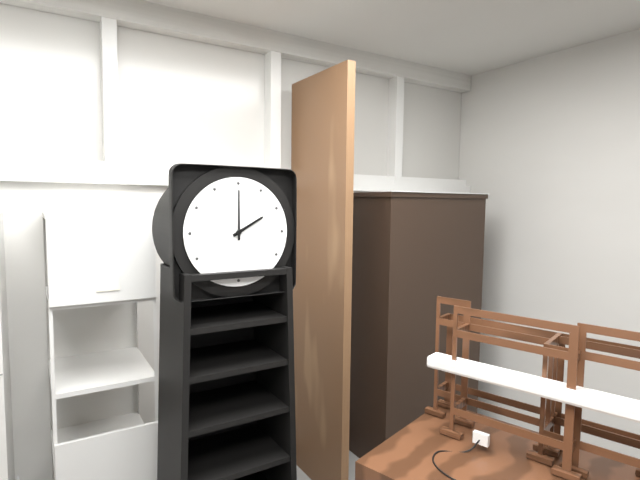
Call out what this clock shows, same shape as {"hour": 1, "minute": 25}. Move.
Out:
{"hour": 2, "minute": 0}
